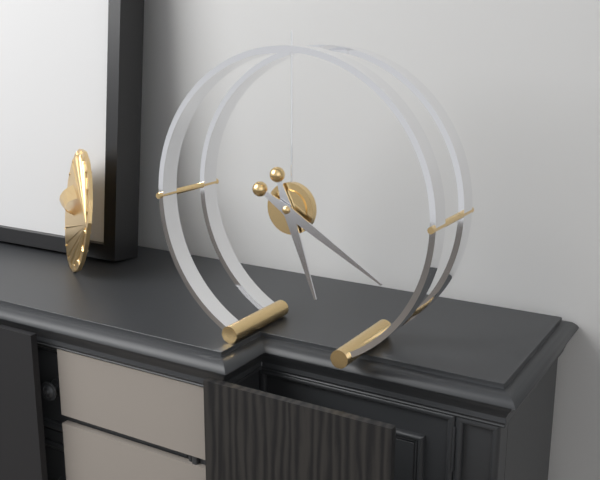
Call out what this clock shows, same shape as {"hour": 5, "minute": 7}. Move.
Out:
{"hour": 5, "minute": 20}
